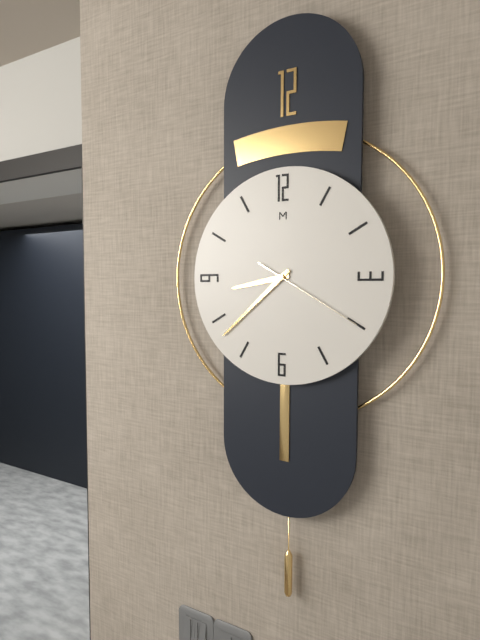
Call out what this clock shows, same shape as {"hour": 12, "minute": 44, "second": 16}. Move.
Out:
{"hour": 8, "minute": 38, "second": 20}
